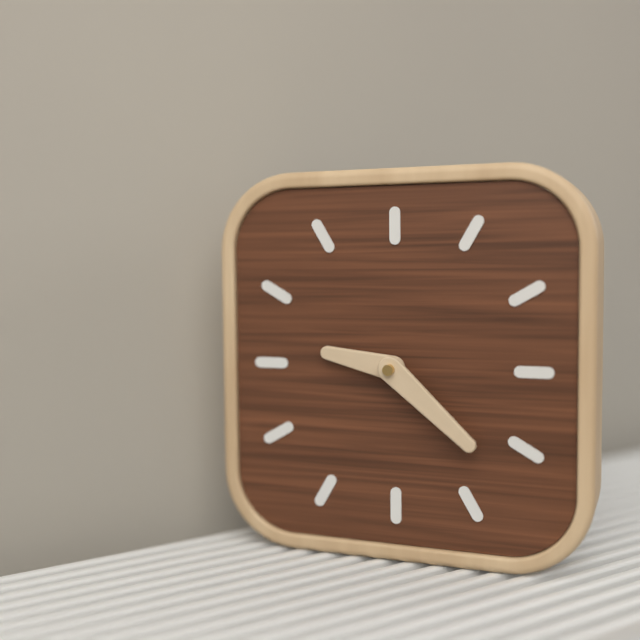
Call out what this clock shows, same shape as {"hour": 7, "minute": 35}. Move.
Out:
{"hour": 9, "minute": 22}
